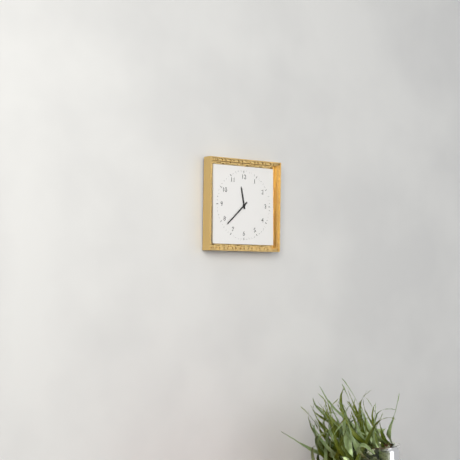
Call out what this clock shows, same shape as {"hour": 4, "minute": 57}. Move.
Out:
{"hour": 11, "minute": 38}
